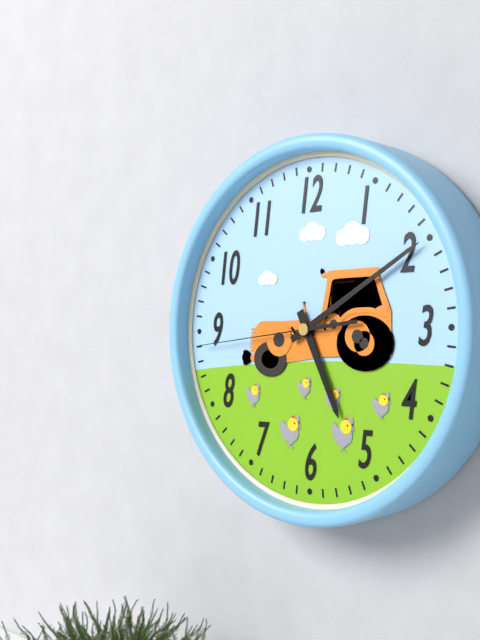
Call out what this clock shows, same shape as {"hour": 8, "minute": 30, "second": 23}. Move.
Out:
{"hour": 5, "minute": 10, "second": 44}
